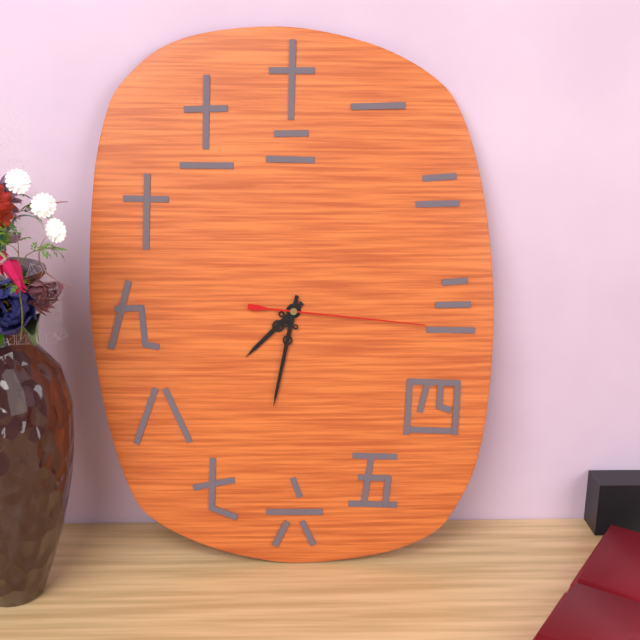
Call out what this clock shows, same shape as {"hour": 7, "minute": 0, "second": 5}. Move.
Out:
{"hour": 7, "minute": 32, "second": 16}
